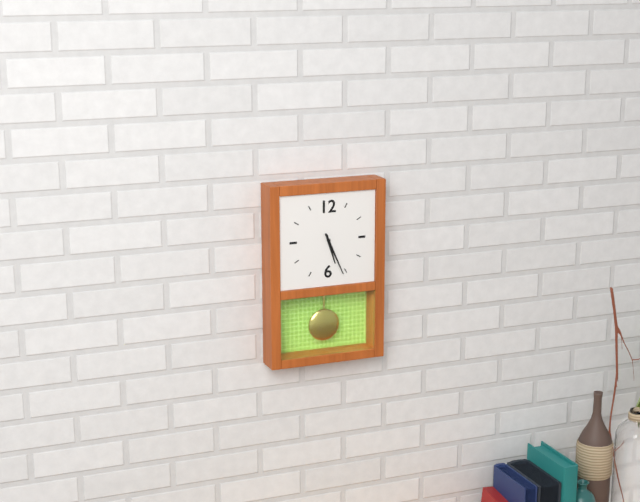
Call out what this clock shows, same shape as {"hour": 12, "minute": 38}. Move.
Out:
{"hour": 5, "minute": 26}
